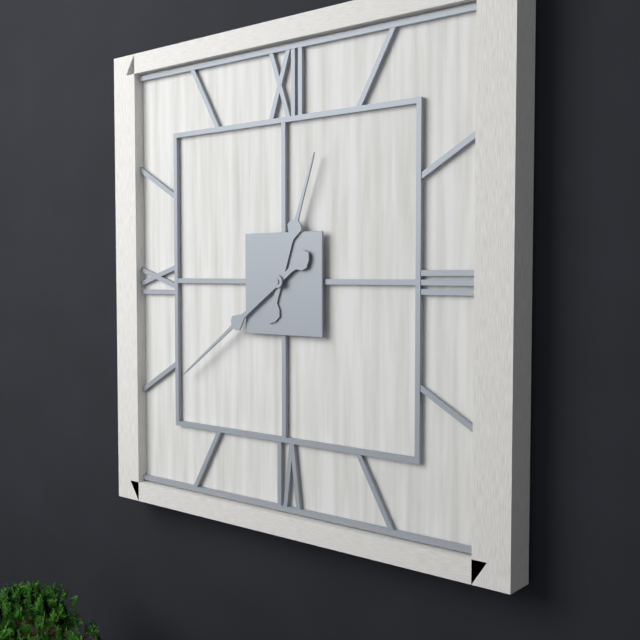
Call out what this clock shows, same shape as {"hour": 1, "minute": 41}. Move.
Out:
{"hour": 12, "minute": 39}
